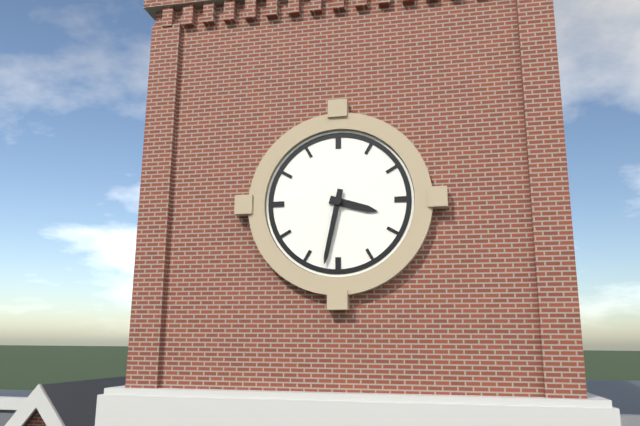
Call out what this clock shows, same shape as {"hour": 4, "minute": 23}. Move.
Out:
{"hour": 3, "minute": 32}
